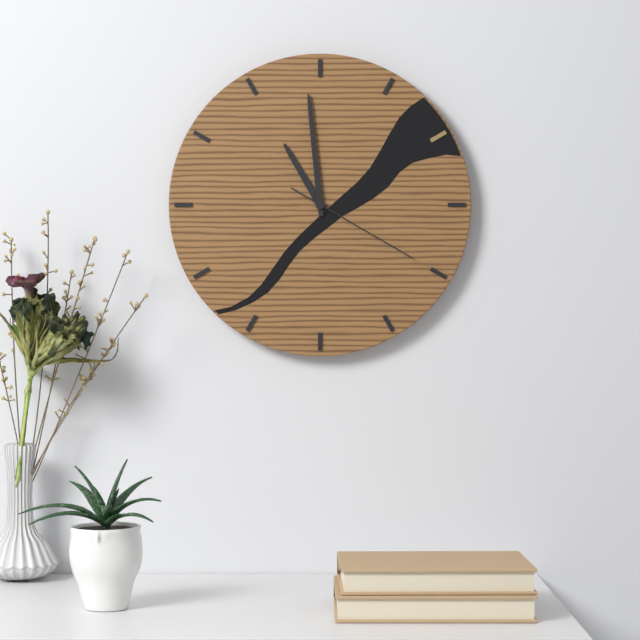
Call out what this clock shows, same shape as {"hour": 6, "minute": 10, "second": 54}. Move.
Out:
{"hour": 10, "minute": 59, "second": 20}
